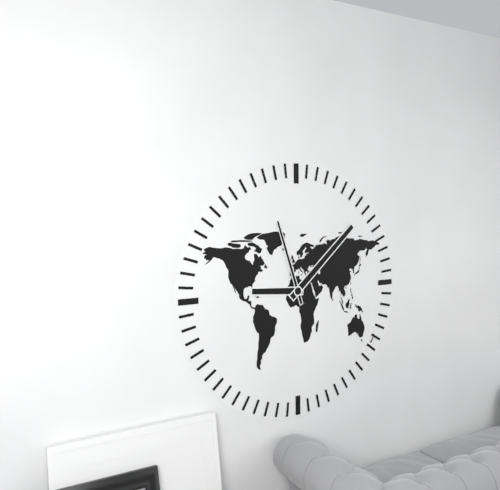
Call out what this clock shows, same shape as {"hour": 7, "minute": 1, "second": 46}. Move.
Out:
{"hour": 9, "minute": 8, "second": 57}
